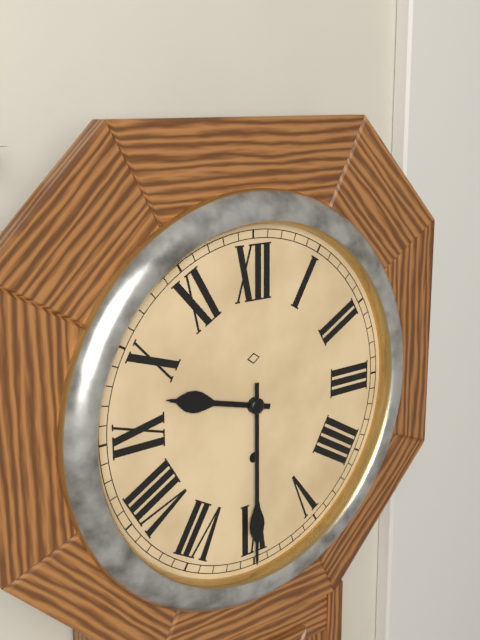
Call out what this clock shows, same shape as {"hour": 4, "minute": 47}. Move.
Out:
{"hour": 9, "minute": 30}
